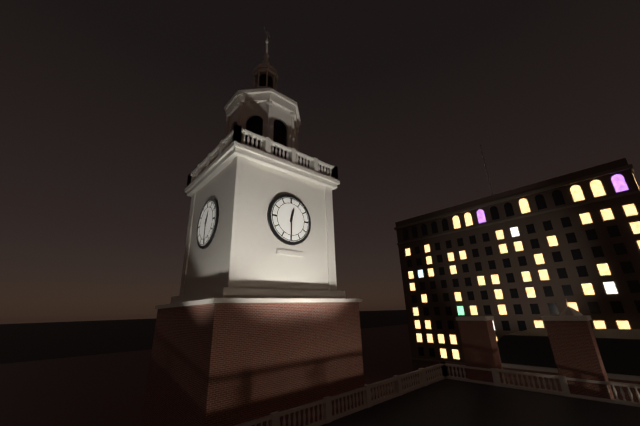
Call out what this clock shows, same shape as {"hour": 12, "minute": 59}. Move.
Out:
{"hour": 12, "minute": 30}
